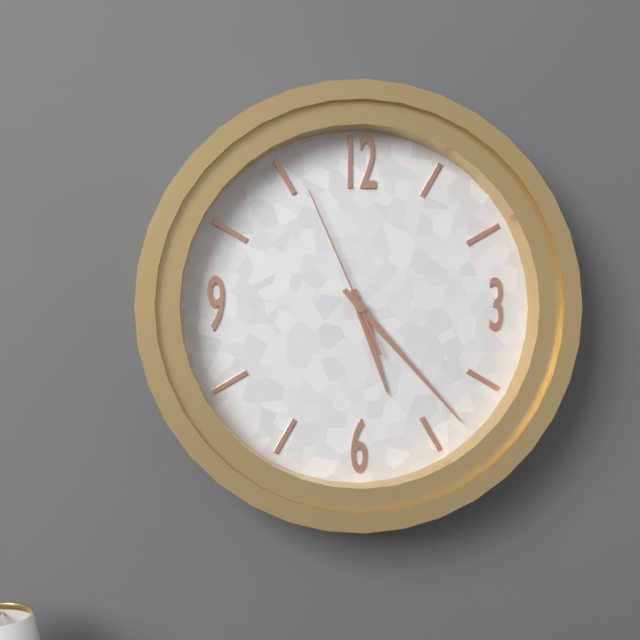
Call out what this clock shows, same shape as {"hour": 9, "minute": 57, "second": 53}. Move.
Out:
{"hour": 5, "minute": 23, "second": 56}
